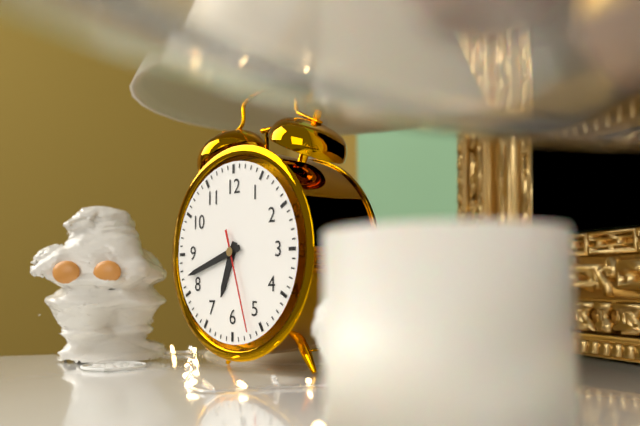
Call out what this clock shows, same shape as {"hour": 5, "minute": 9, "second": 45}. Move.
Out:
{"hour": 6, "minute": 42, "second": 27}
